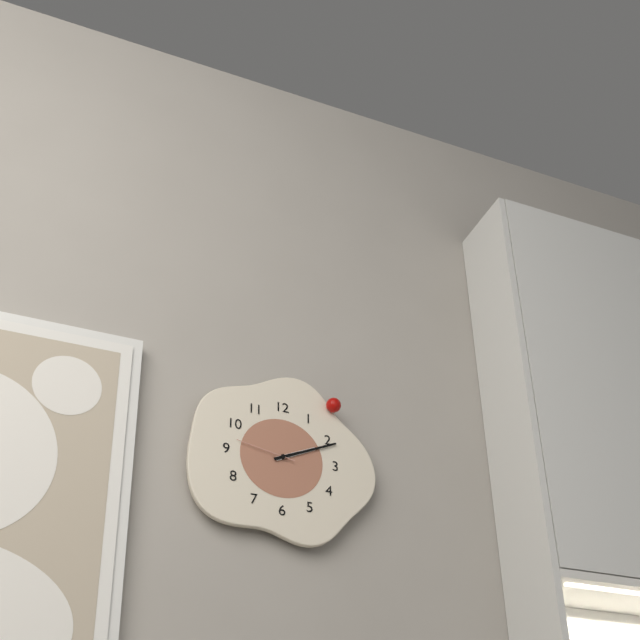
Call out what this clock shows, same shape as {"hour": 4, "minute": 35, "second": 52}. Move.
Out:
{"hour": 2, "minute": 11, "second": 47}
